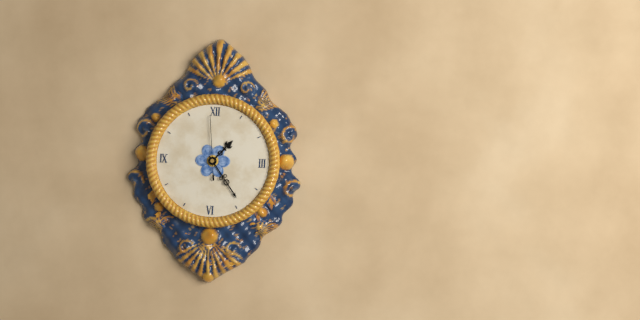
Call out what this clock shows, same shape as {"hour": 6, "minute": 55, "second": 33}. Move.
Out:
{"hour": 1, "minute": 24, "second": 59}
